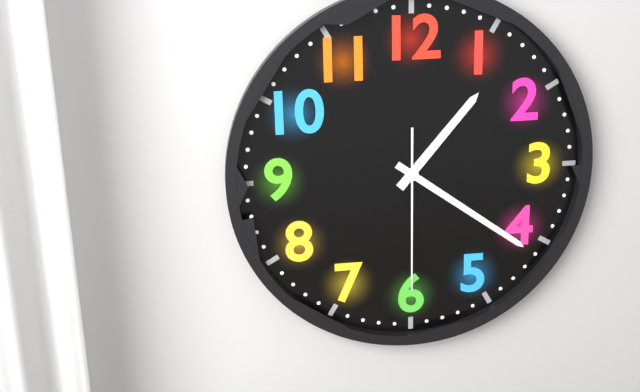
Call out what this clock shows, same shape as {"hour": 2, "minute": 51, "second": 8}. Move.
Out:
{"hour": 1, "minute": 21, "second": 30}
